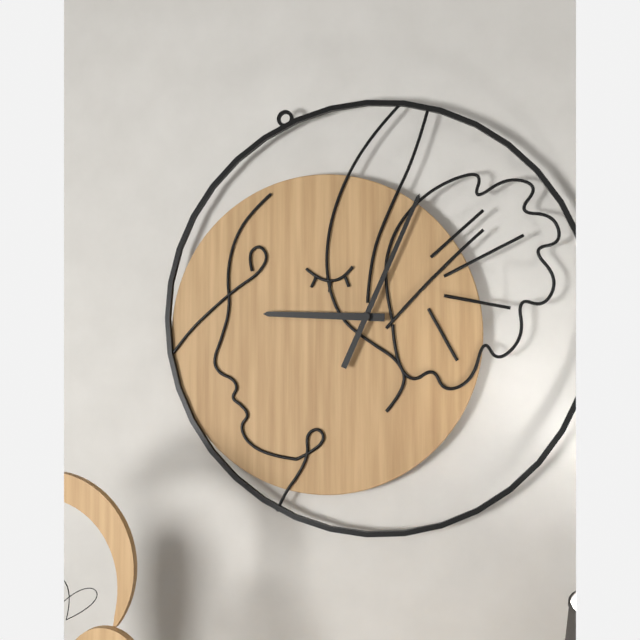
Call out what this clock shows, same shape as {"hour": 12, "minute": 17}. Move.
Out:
{"hour": 9, "minute": 4}
